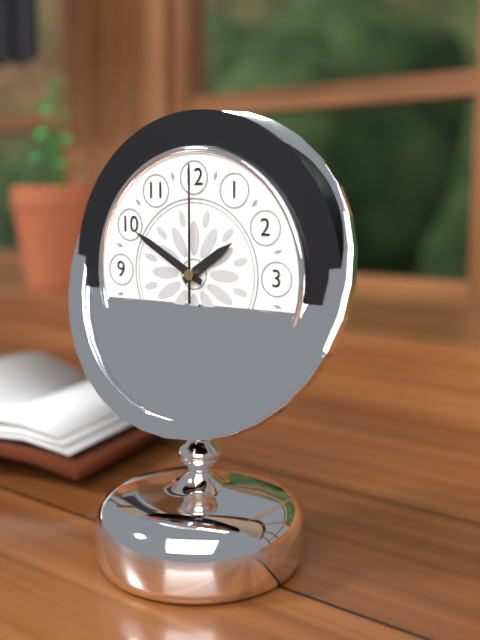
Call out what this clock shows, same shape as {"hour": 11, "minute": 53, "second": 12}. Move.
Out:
{"hour": 1, "minute": 50, "second": 0}
